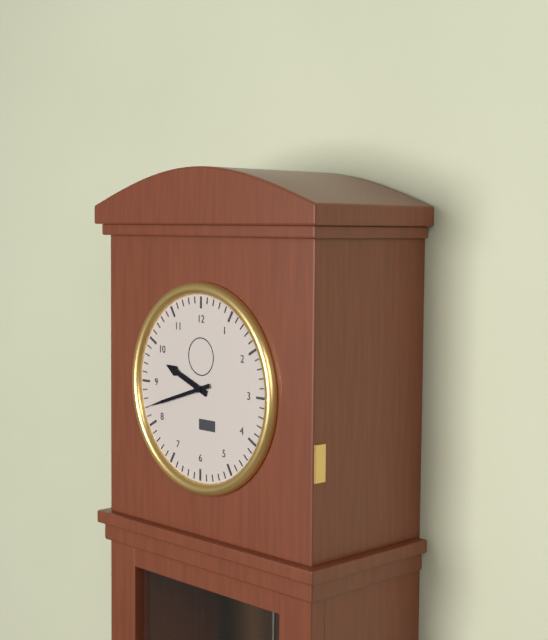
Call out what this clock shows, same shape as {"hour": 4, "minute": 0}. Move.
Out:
{"hour": 9, "minute": 42}
